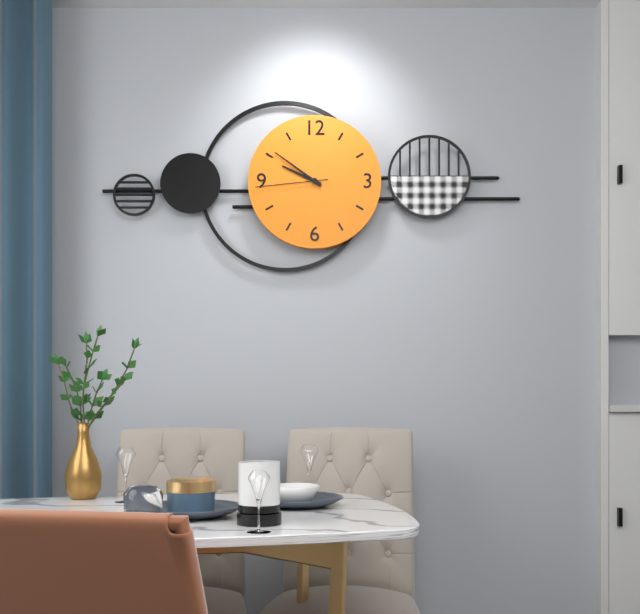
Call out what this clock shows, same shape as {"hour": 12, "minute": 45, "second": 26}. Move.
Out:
{"hour": 9, "minute": 51, "second": 44}
